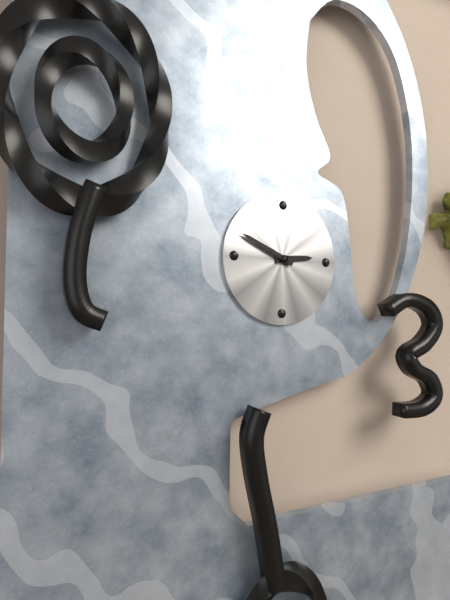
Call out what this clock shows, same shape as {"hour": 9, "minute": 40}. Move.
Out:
{"hour": 2, "minute": 49}
